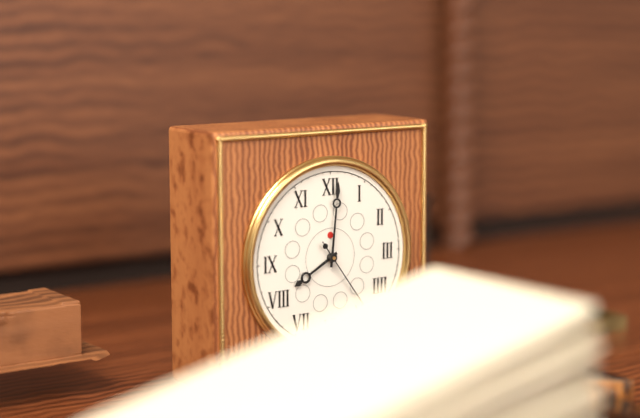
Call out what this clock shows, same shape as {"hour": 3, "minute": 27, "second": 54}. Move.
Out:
{"hour": 8, "minute": 1, "second": 24}
